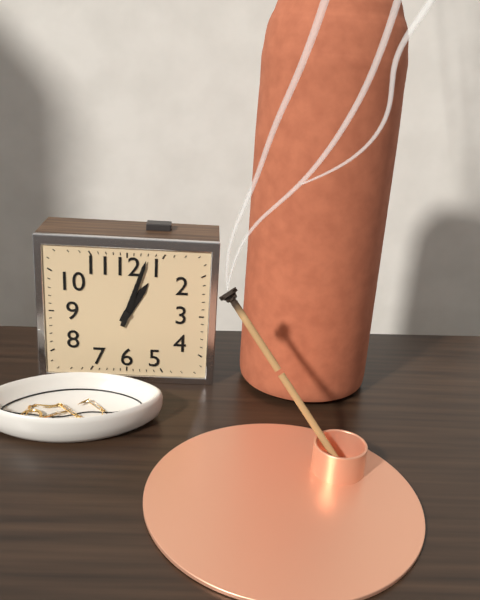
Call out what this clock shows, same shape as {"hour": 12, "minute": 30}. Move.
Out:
{"hour": 1, "minute": 3}
